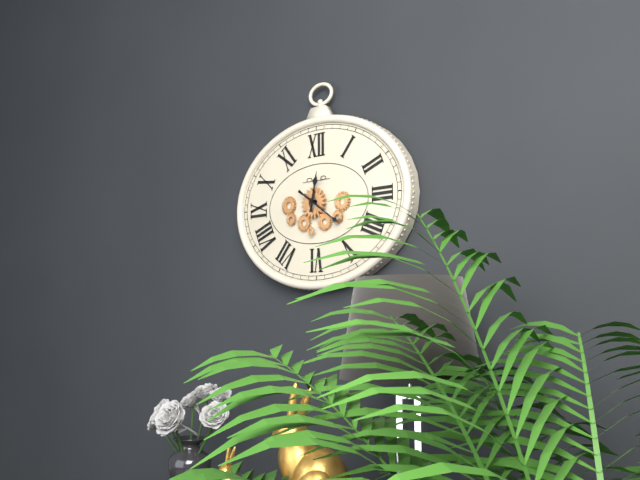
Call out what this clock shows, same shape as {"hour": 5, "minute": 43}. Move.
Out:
{"hour": 12, "minute": 21}
